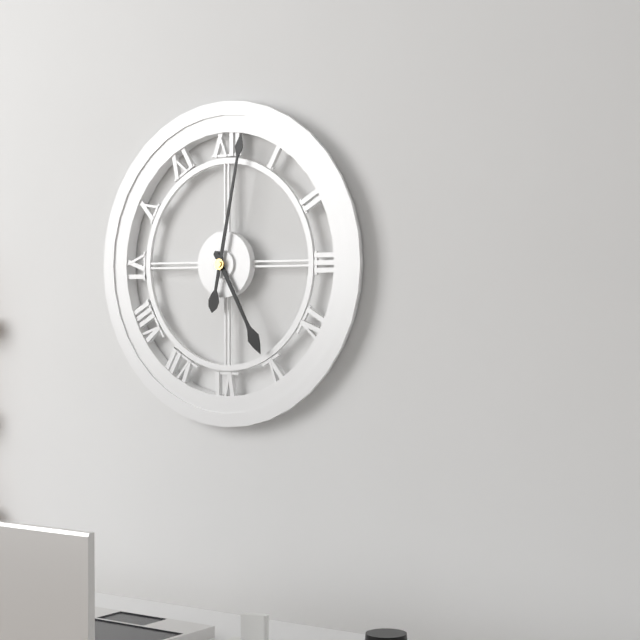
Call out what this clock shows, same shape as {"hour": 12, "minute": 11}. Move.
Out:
{"hour": 5, "minute": 2}
